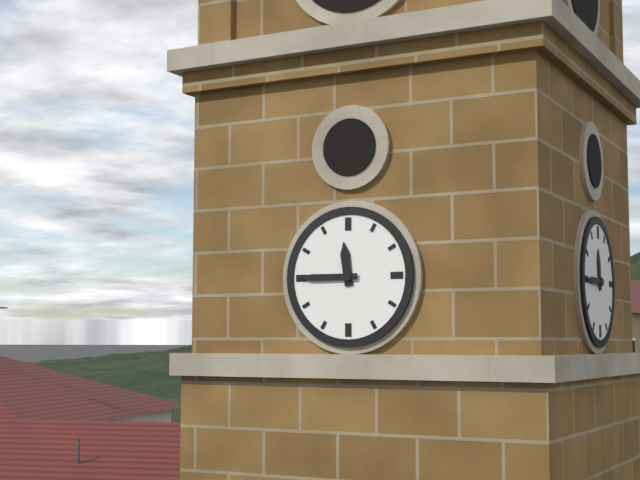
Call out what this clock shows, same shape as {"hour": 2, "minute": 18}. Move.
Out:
{"hour": 11, "minute": 45}
